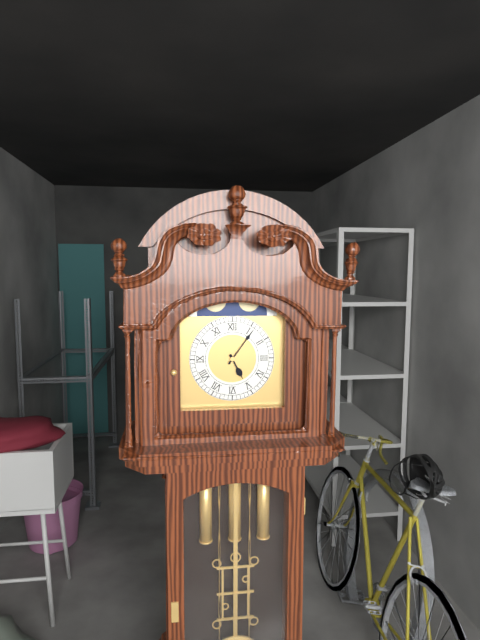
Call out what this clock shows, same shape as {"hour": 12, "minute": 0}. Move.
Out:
{"hour": 5, "minute": 6}
